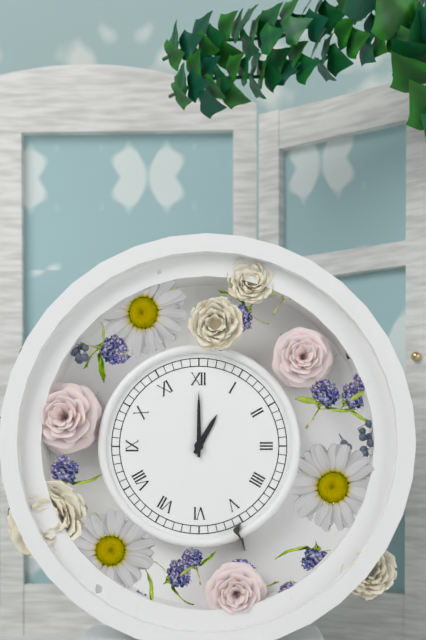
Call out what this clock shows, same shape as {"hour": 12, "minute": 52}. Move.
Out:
{"hour": 1, "minute": 0}
